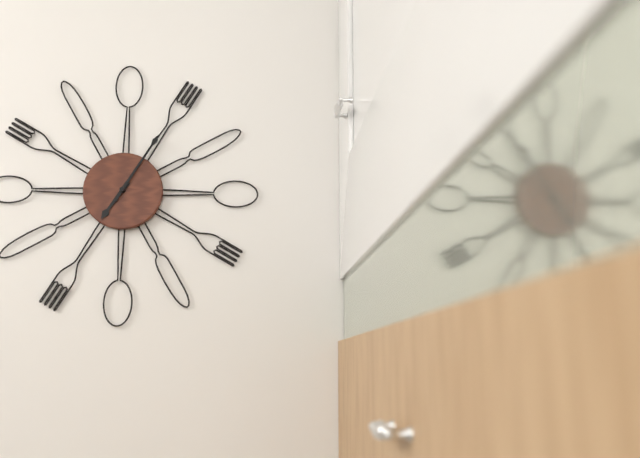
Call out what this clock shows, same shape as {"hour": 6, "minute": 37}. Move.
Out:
{"hour": 7, "minute": 5}
